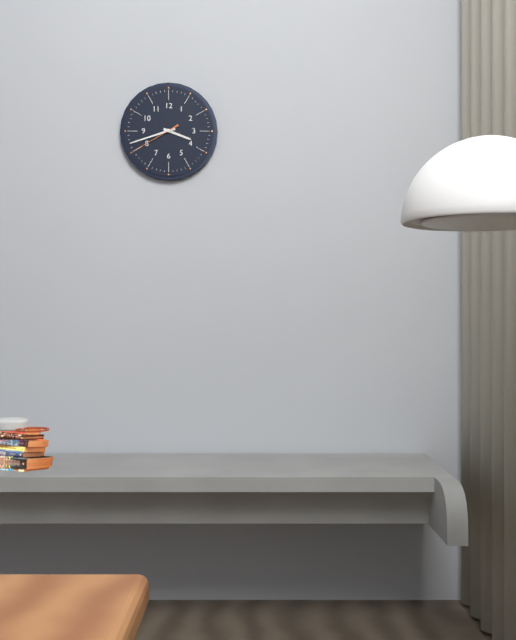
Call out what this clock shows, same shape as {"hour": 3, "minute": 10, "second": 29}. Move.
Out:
{"hour": 3, "minute": 42, "second": 40}
